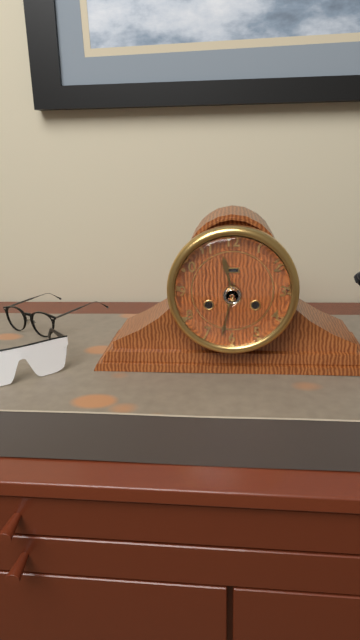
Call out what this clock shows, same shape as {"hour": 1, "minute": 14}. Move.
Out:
{"hour": 11, "minute": 32}
